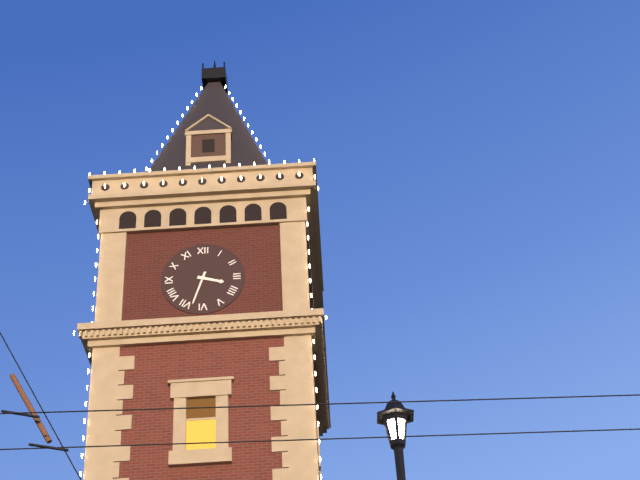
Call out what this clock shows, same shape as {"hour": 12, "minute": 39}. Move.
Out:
{"hour": 3, "minute": 33}
